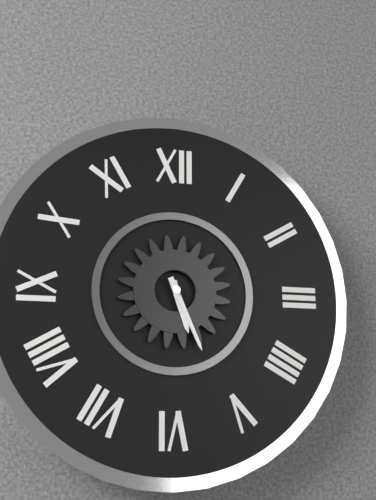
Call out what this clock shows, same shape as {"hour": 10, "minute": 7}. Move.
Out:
{"hour": 5, "minute": 26}
